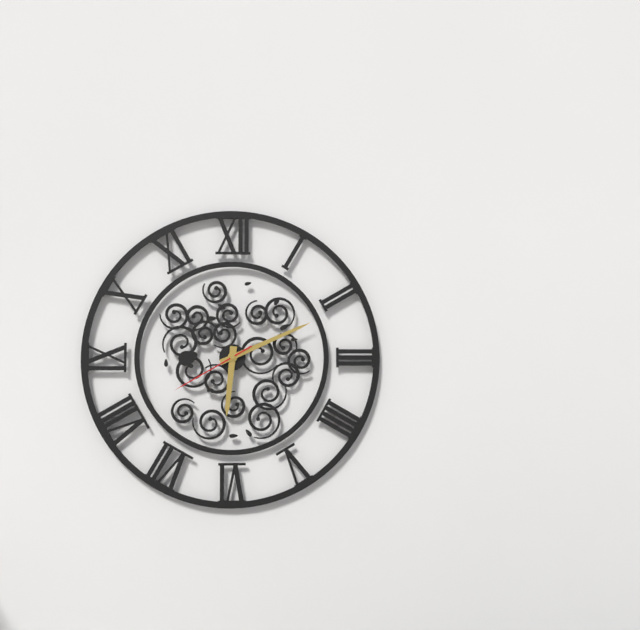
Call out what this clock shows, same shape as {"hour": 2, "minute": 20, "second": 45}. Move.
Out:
{"hour": 6, "minute": 11, "second": 40}
